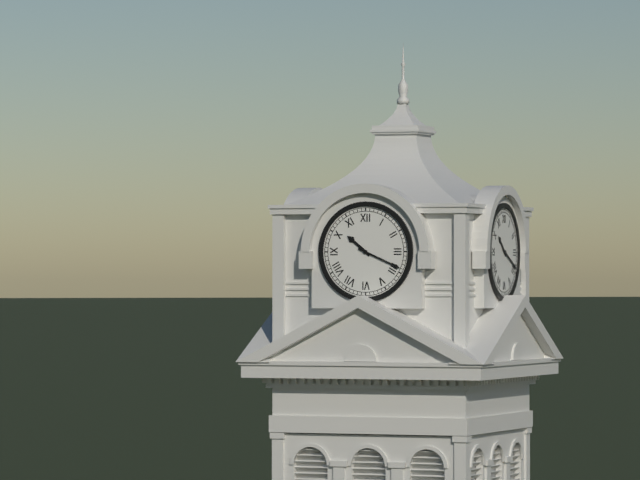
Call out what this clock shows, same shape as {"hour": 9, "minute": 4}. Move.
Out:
{"hour": 10, "minute": 19}
